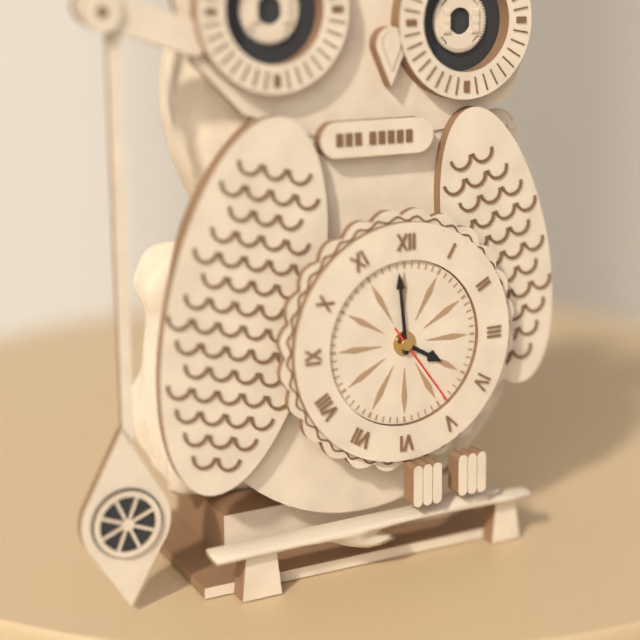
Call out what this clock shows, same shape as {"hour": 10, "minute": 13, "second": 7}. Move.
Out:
{"hour": 3, "minute": 59, "second": 24}
